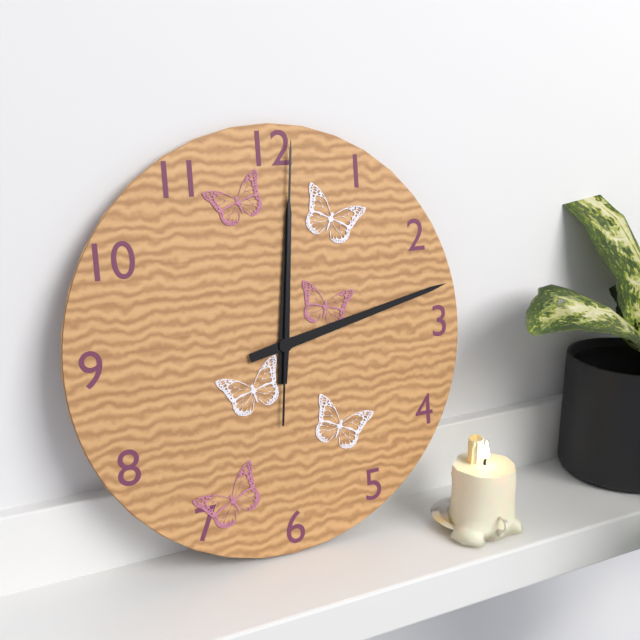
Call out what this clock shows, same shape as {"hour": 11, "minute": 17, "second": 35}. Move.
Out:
{"hour": 12, "minute": 13, "second": 1}
